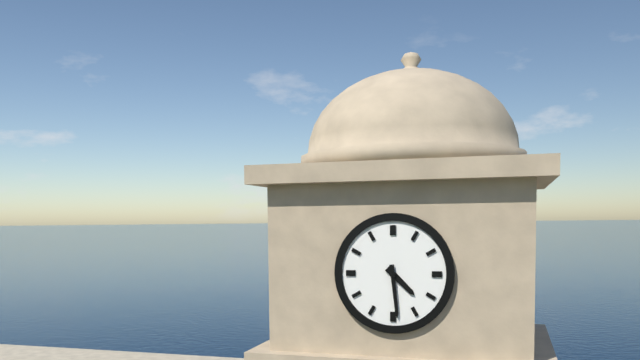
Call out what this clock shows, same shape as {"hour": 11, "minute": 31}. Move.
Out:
{"hour": 4, "minute": 29}
